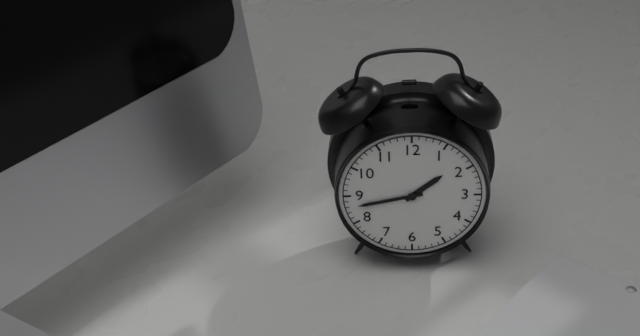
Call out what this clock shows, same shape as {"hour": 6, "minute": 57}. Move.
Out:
{"hour": 1, "minute": 43}
